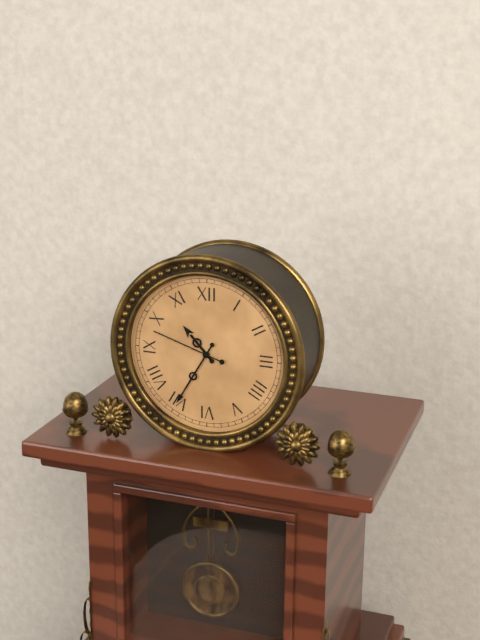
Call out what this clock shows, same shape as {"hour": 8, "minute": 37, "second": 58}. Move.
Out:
{"hour": 10, "minute": 35, "second": 48}
